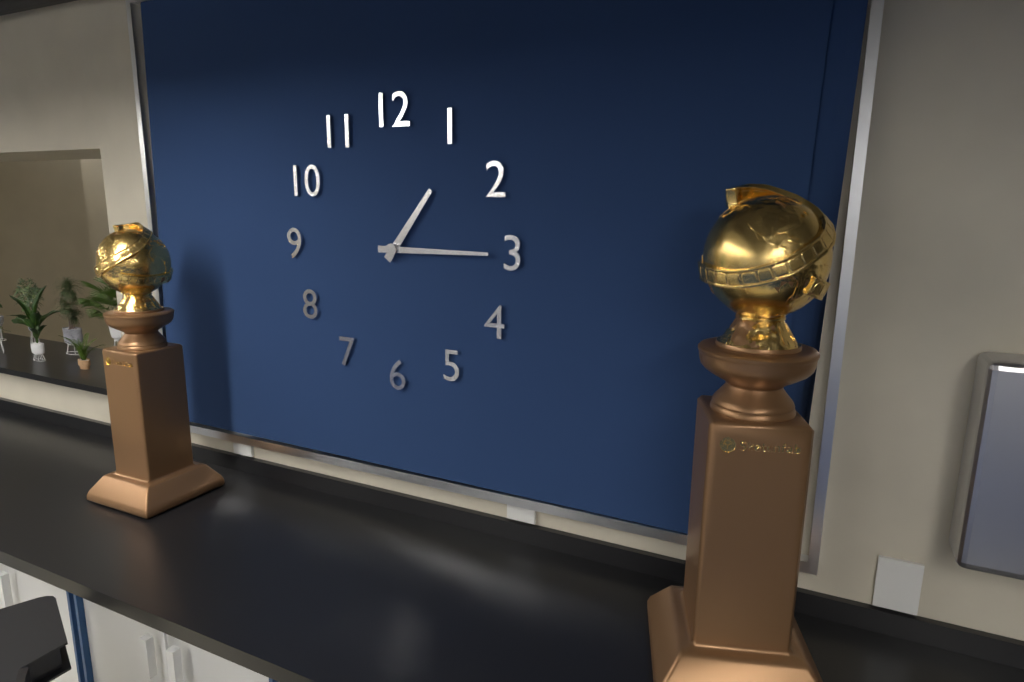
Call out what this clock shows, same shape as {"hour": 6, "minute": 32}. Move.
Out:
{"hour": 1, "minute": 15}
